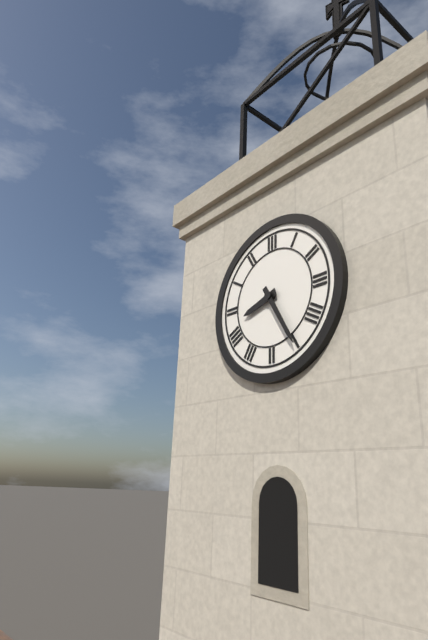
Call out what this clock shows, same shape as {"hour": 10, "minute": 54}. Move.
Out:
{"hour": 8, "minute": 25}
